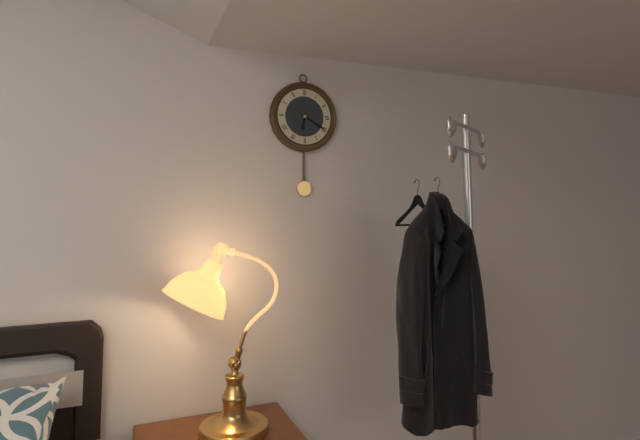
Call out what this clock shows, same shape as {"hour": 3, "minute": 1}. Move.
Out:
{"hour": 6, "minute": 20}
